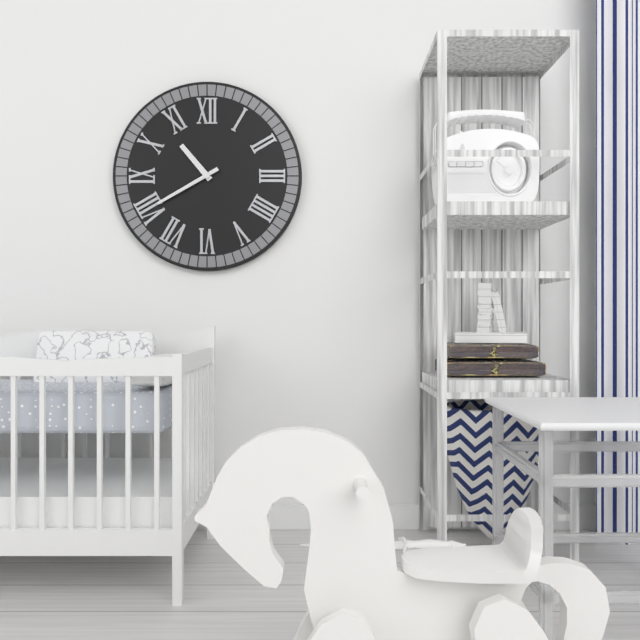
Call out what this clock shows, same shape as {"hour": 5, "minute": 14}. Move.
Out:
{"hour": 10, "minute": 40}
